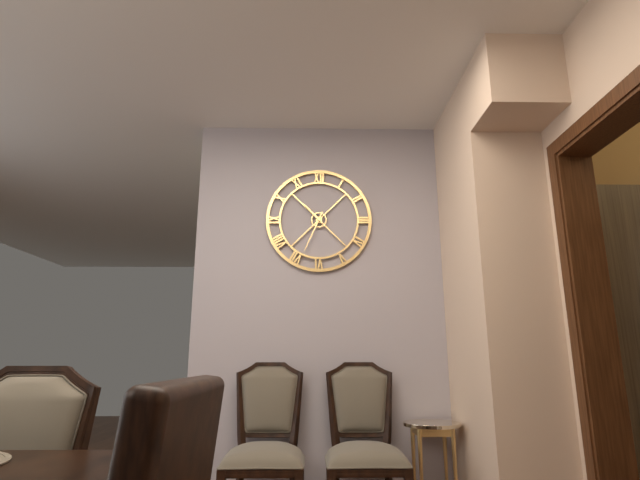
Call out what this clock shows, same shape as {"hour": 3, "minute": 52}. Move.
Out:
{"hour": 10, "minute": 34}
